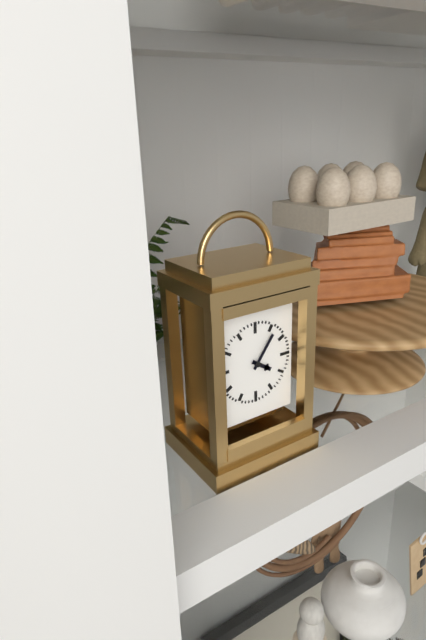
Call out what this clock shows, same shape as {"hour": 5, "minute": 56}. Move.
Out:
{"hour": 4, "minute": 6}
